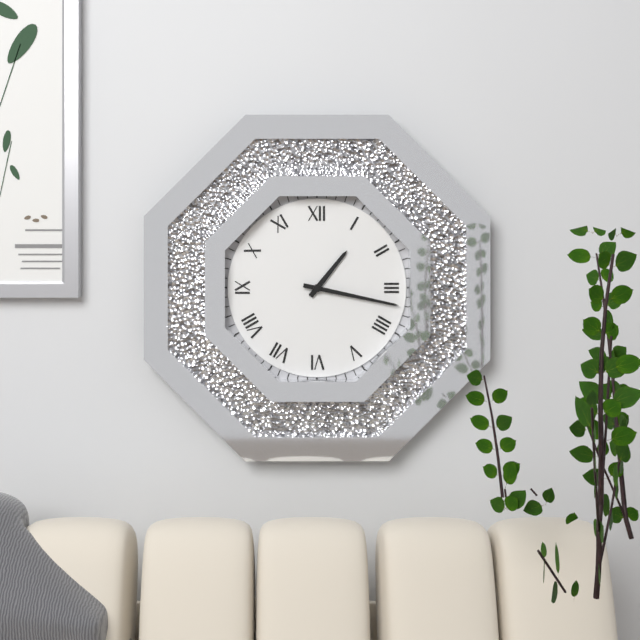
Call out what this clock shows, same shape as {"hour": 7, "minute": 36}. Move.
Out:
{"hour": 1, "minute": 17}
